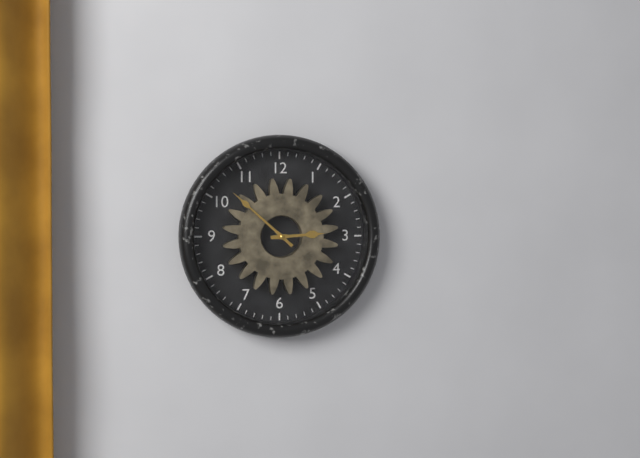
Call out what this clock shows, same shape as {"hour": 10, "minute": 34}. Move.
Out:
{"hour": 2, "minute": 52}
